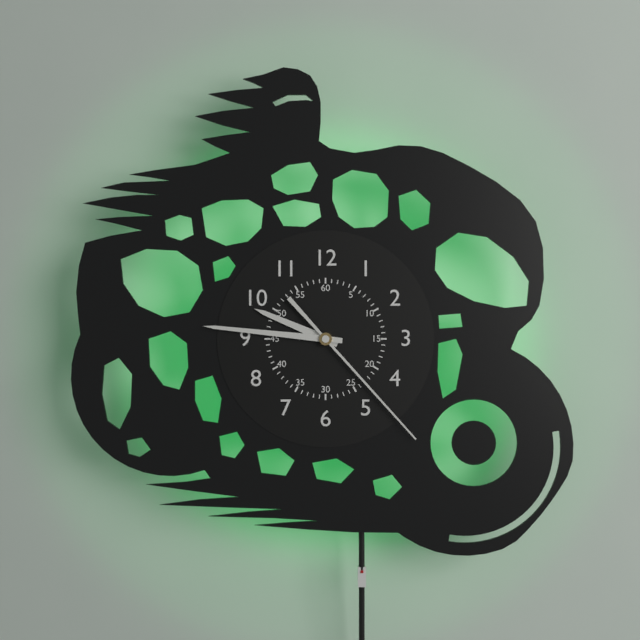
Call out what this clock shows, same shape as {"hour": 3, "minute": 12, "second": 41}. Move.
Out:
{"hour": 9, "minute": 46, "second": 23}
